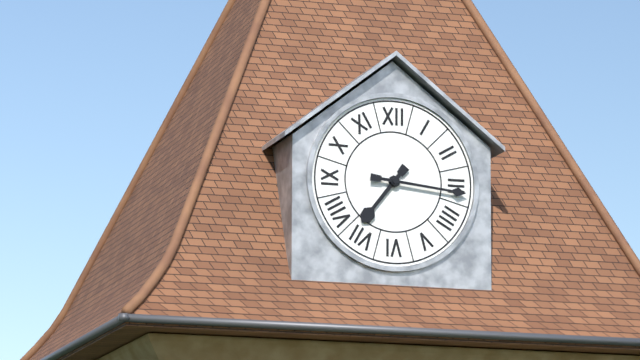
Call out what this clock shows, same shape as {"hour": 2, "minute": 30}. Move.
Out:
{"hour": 7, "minute": 16}
